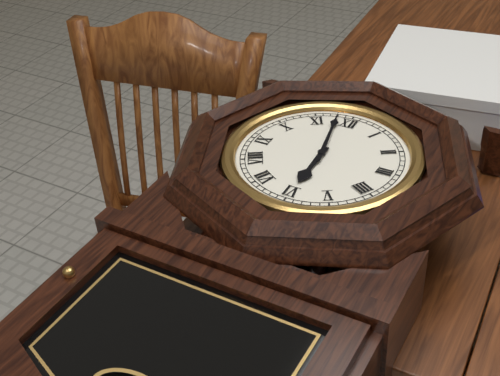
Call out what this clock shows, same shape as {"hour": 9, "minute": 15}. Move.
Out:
{"hour": 5, "minute": 58}
